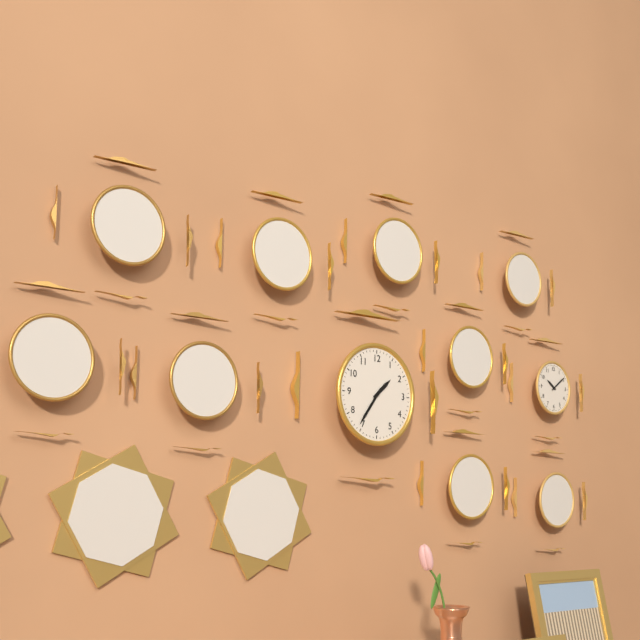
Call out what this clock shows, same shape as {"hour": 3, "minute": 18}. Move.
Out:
{"hour": 1, "minute": 36}
